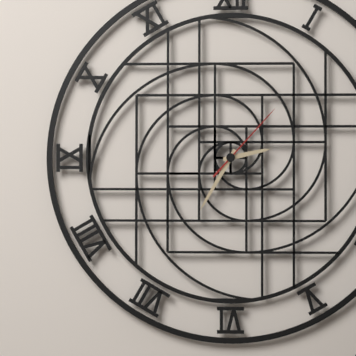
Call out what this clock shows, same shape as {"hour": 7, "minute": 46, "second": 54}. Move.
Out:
{"hour": 2, "minute": 35, "second": 7}
